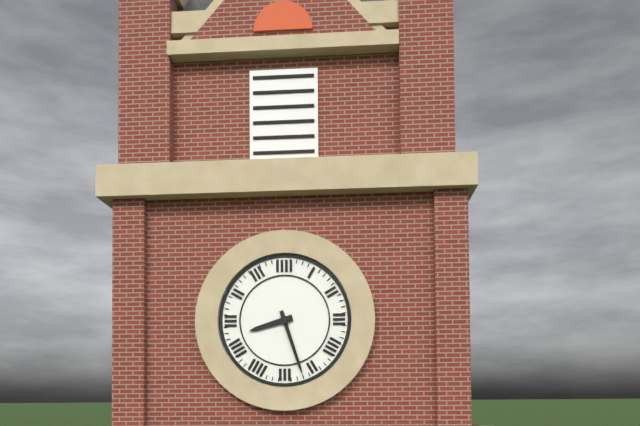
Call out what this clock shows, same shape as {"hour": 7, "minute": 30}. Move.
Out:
{"hour": 8, "minute": 27}
